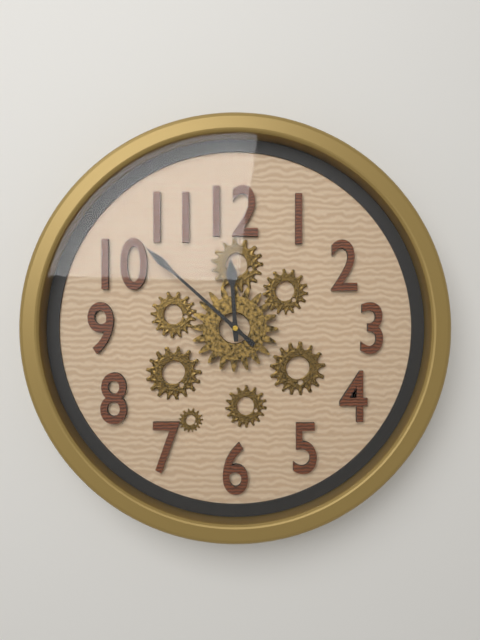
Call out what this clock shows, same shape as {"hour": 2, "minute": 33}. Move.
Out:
{"hour": 11, "minute": 52}
